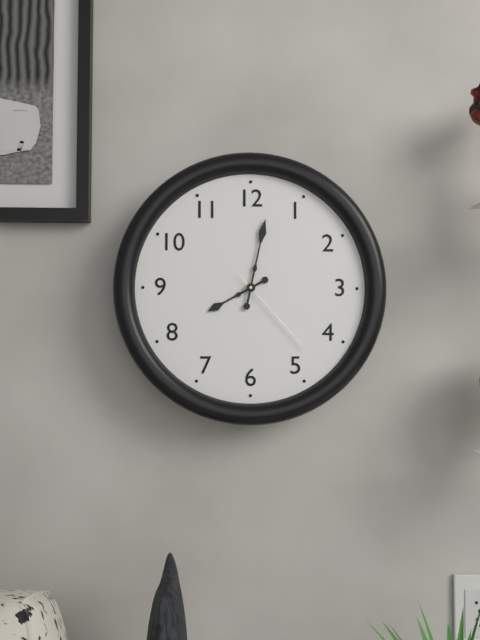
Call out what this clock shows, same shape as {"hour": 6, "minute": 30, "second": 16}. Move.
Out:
{"hour": 8, "minute": 2, "second": 23}
